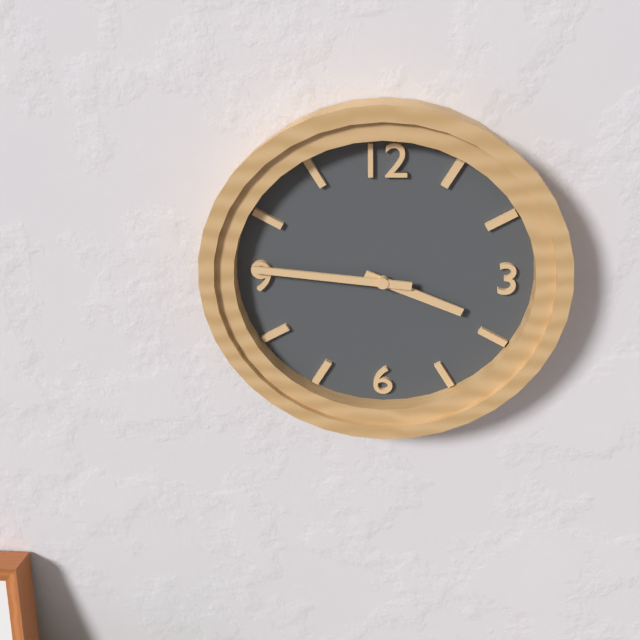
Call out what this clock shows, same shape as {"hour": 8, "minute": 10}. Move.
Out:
{"hour": 3, "minute": 46}
